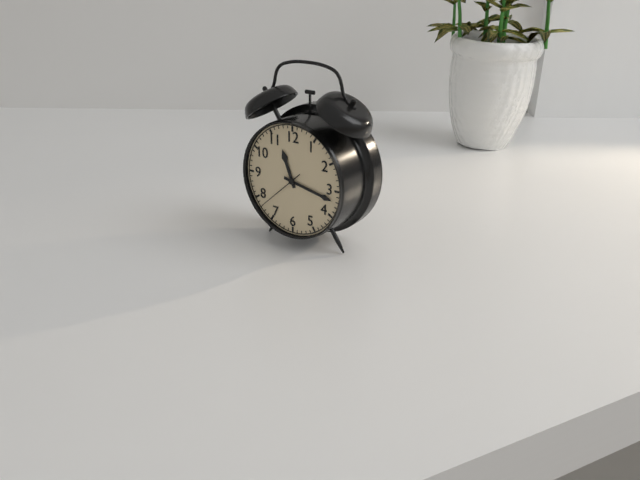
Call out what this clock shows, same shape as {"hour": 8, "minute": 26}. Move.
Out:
{"hour": 11, "minute": 17}
